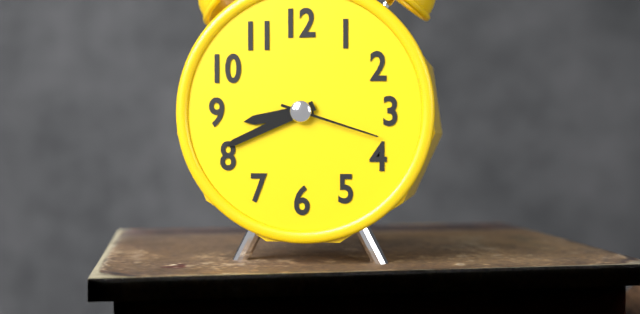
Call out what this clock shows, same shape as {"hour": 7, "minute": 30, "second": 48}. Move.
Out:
{"hour": 8, "minute": 41, "second": 18}
